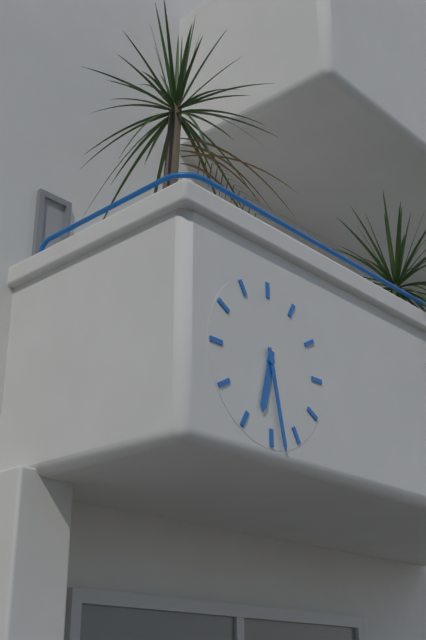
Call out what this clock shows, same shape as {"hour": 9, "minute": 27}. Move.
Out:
{"hour": 6, "minute": 28}
